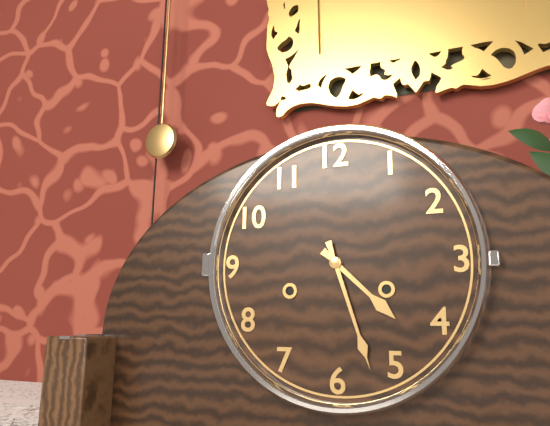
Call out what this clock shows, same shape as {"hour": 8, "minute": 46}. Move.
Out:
{"hour": 4, "minute": 27}
